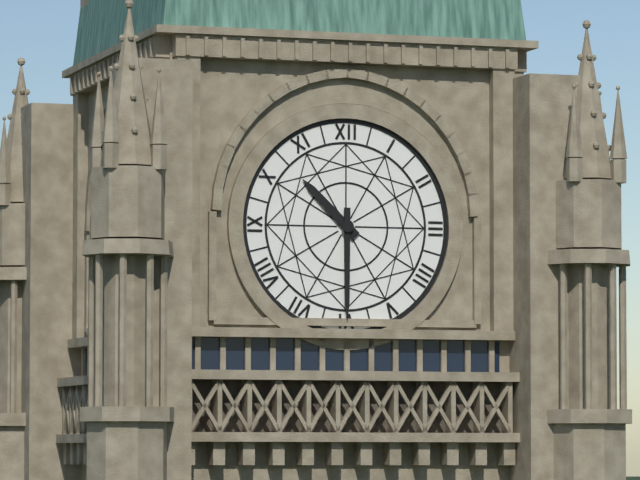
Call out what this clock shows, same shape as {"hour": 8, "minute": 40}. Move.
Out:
{"hour": 10, "minute": 30}
